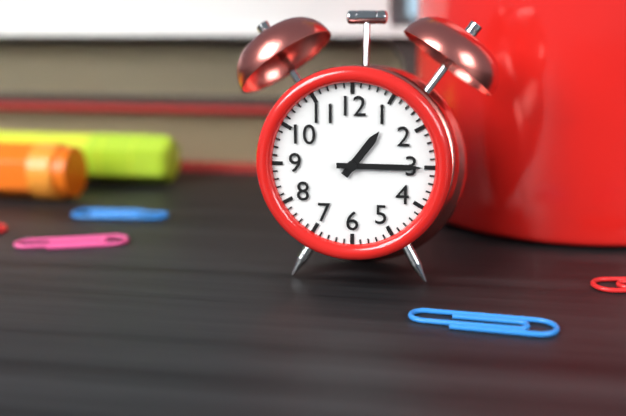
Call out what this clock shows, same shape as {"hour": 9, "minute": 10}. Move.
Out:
{"hour": 1, "minute": 15}
